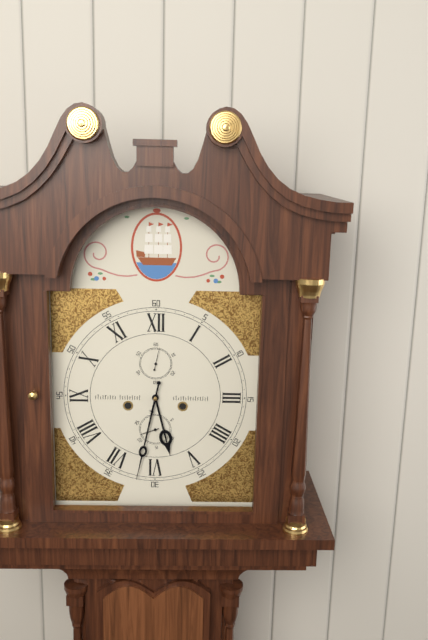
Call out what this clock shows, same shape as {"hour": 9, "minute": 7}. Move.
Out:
{"hour": 5, "minute": 32}
